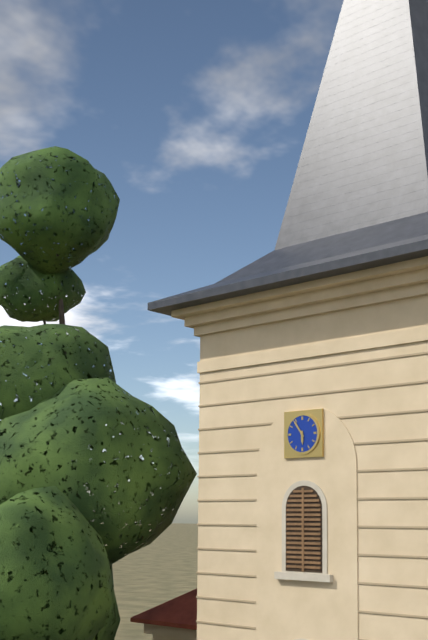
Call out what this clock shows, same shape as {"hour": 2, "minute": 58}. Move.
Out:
{"hour": 5, "minute": 54}
